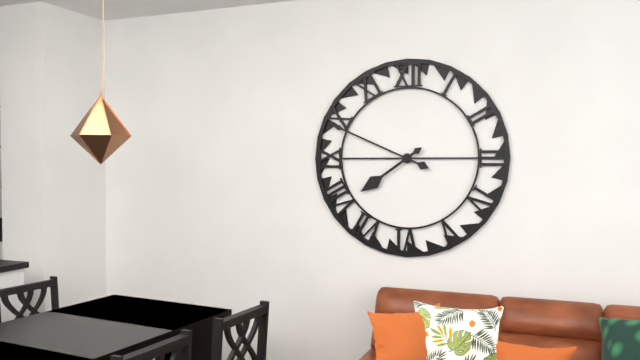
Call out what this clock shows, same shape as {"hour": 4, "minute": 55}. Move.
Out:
{"hour": 7, "minute": 49}
